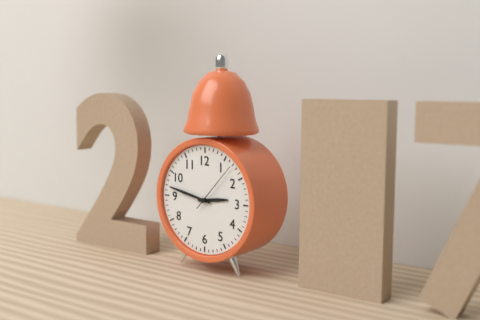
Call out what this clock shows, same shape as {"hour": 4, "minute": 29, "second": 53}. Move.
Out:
{"hour": 2, "minute": 47, "second": 7}
